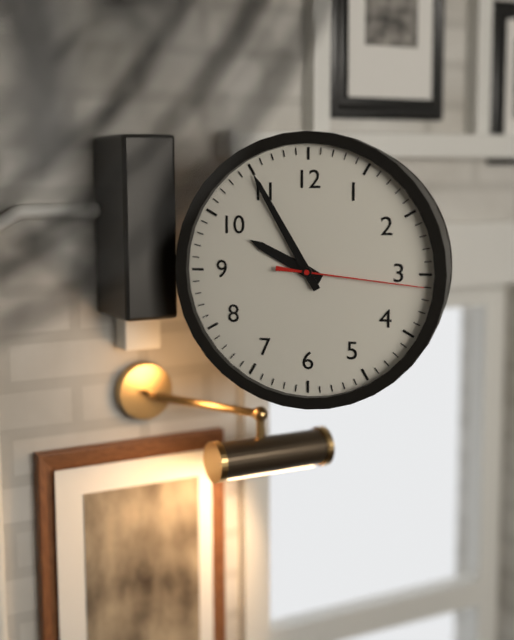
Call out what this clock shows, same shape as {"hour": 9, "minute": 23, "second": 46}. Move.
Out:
{"hour": 9, "minute": 55, "second": 16}
